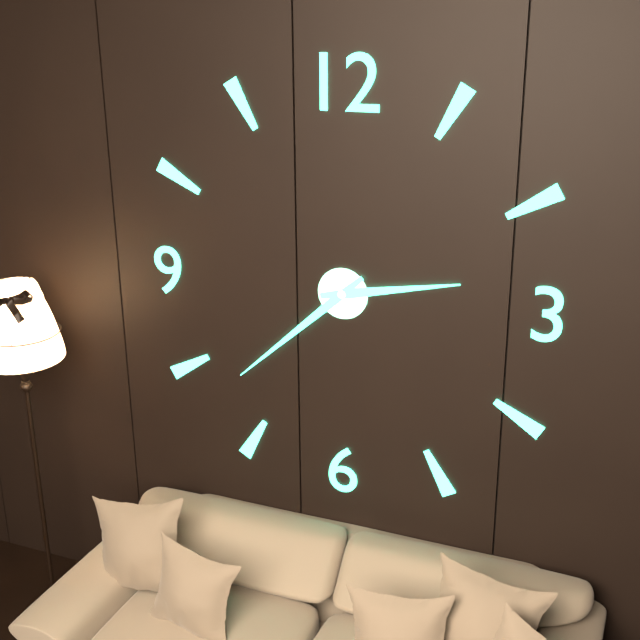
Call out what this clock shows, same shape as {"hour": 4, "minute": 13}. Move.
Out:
{"hour": 2, "minute": 38}
